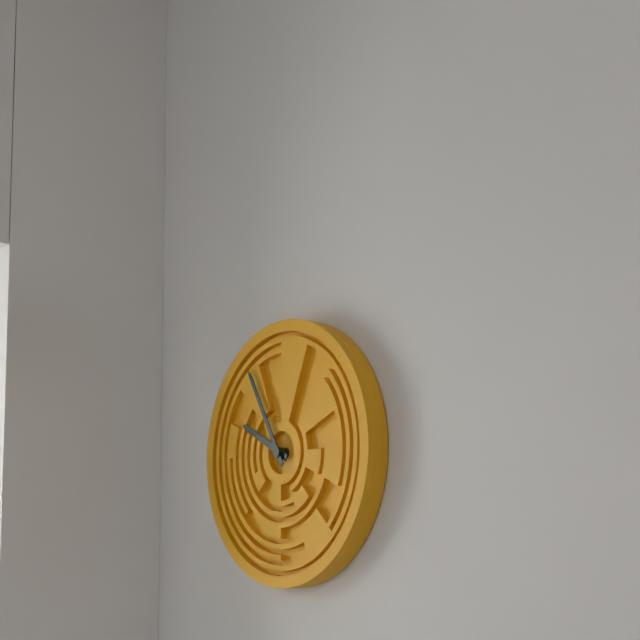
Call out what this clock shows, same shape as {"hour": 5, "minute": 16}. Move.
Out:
{"hour": 9, "minute": 55}
